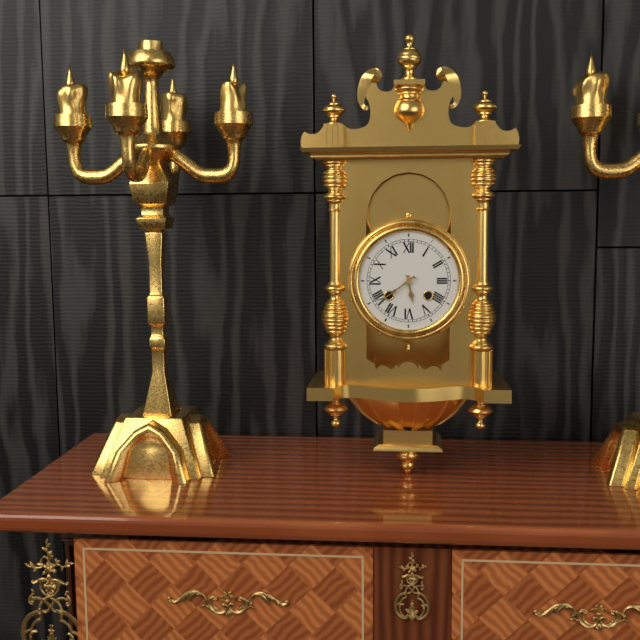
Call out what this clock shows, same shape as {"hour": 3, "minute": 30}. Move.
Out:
{"hour": 5, "minute": 39}
